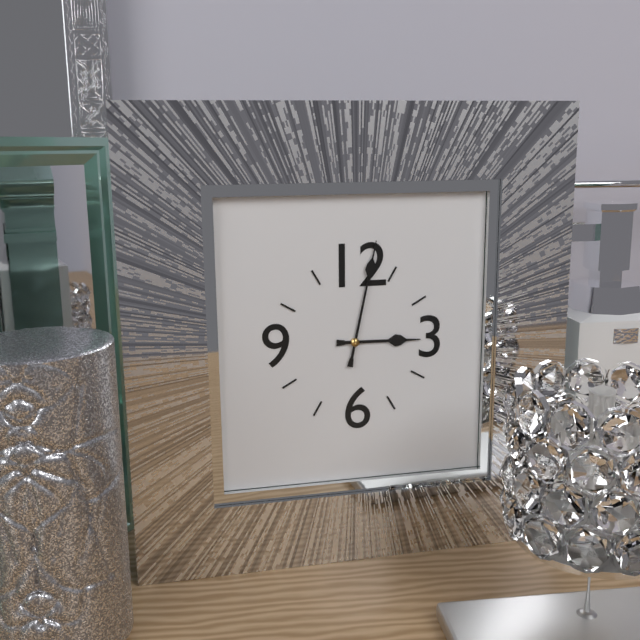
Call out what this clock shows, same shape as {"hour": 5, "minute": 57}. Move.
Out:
{"hour": 3, "minute": 2}
